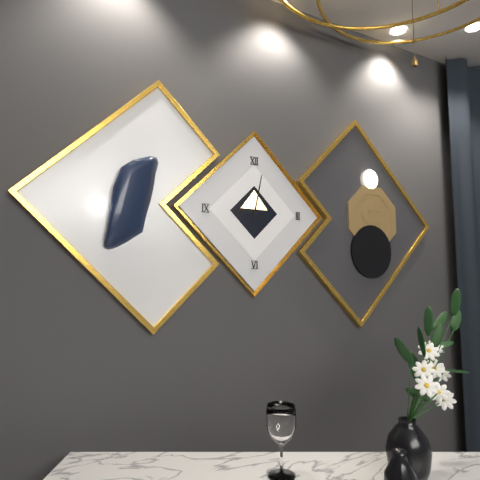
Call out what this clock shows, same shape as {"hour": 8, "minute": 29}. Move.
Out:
{"hour": 9, "minute": 2}
